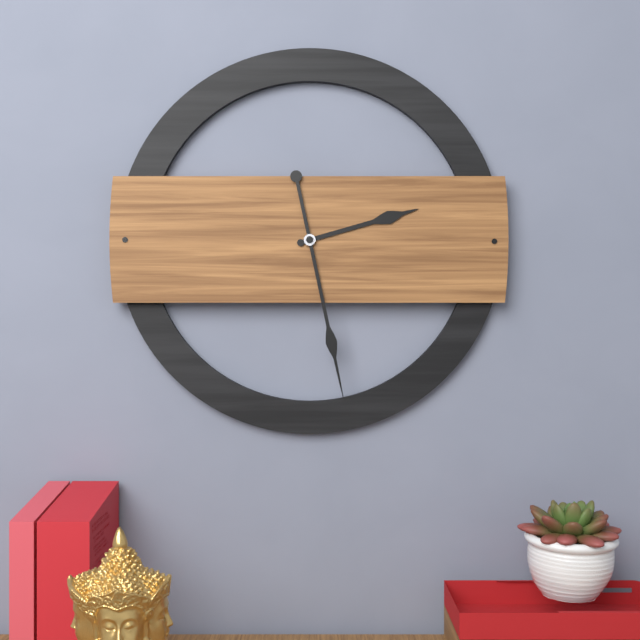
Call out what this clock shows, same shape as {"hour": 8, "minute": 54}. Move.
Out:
{"hour": 2, "minute": 28}
